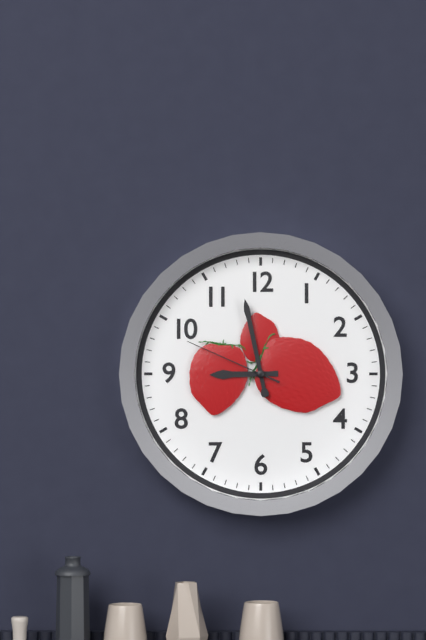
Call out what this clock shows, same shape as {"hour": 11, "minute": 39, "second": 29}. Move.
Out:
{"hour": 8, "minute": 58, "second": 49}
